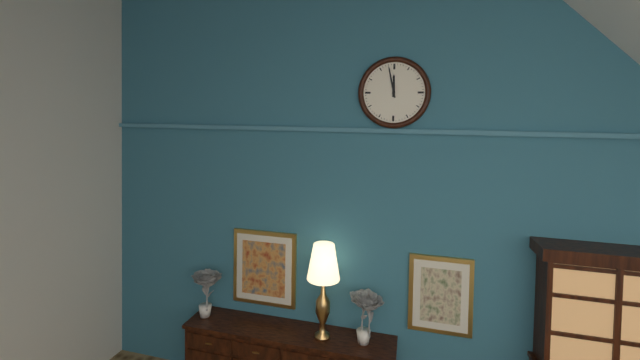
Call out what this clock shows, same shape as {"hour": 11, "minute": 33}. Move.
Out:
{"hour": 11, "minute": 58}
